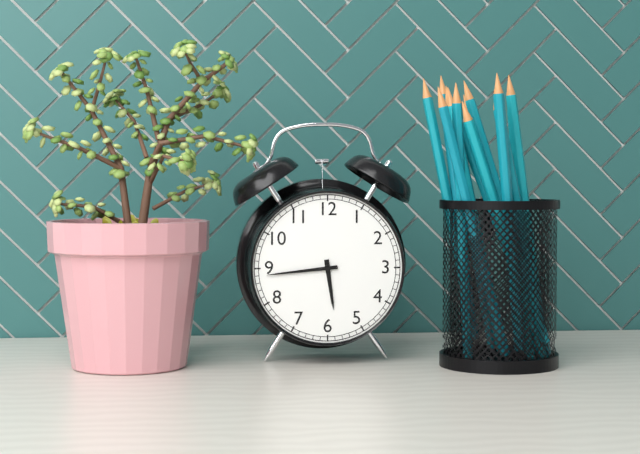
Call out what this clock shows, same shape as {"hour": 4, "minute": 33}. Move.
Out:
{"hour": 5, "minute": 44}
